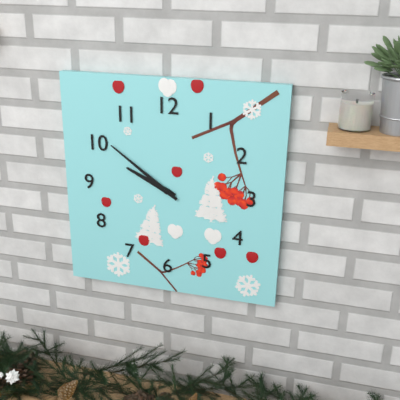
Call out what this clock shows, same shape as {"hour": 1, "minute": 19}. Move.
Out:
{"hour": 9, "minute": 51}
